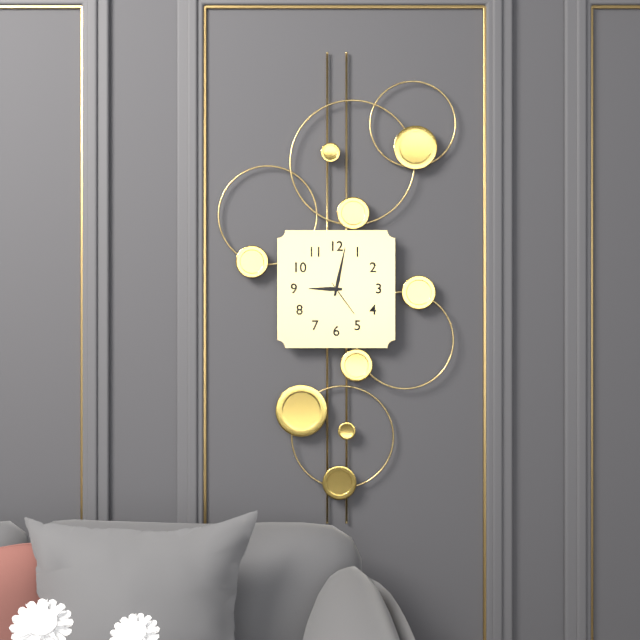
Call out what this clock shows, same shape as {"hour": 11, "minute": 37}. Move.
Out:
{"hour": 9, "minute": 2}
